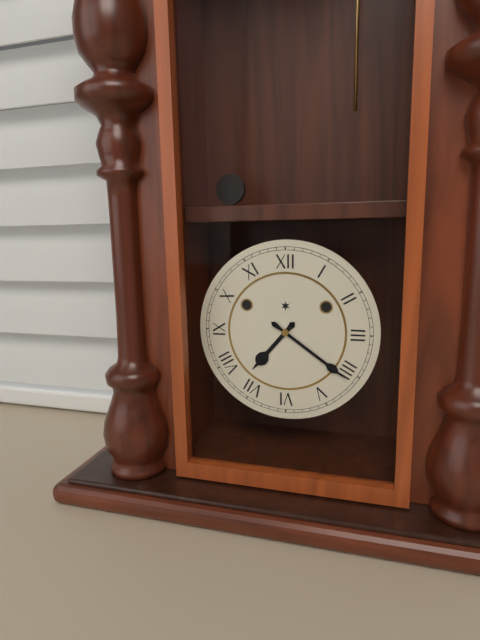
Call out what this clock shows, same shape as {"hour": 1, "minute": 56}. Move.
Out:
{"hour": 7, "minute": 21}
